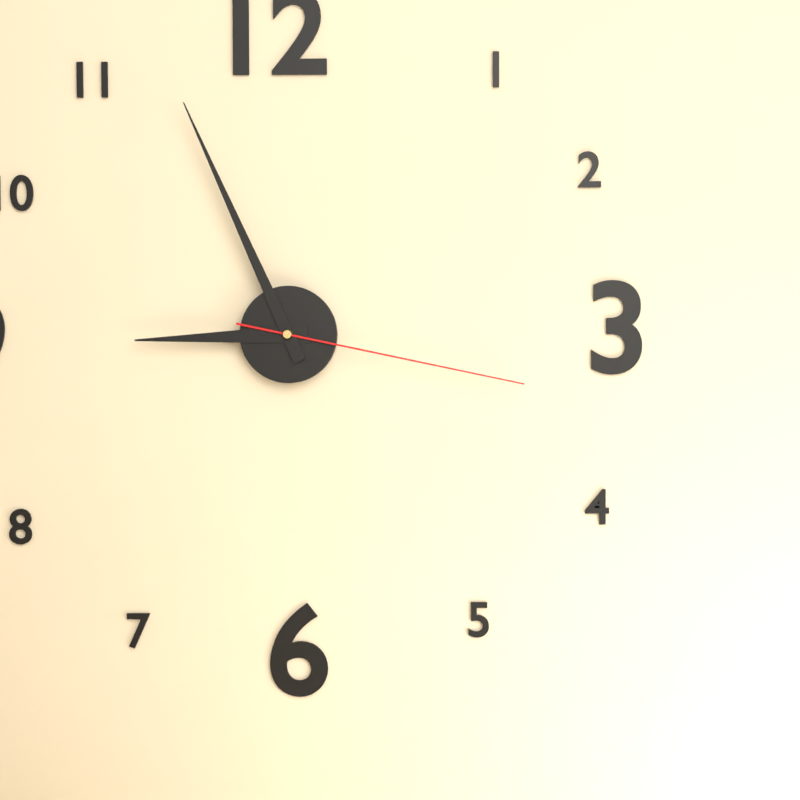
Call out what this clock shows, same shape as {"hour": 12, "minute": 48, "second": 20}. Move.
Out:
{"hour": 8, "minute": 56, "second": 17}
